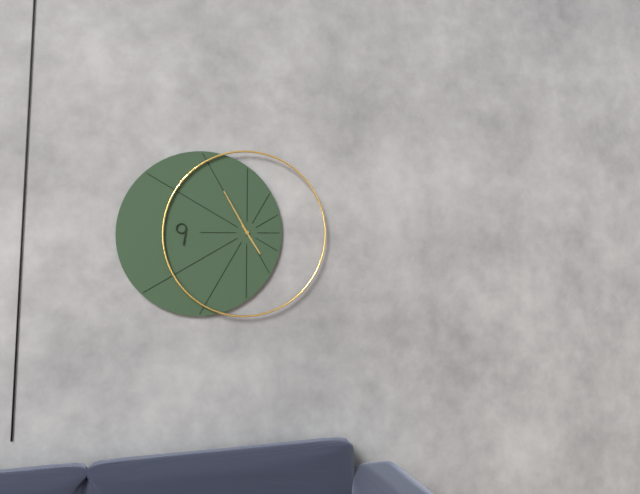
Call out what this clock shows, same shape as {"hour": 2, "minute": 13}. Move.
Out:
{"hour": 4, "minute": 55}
